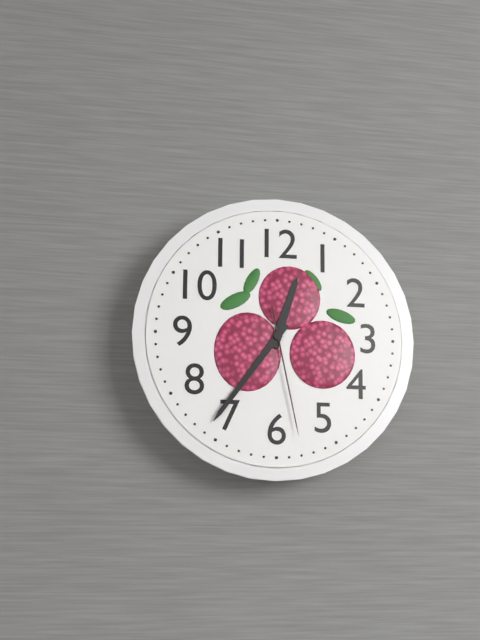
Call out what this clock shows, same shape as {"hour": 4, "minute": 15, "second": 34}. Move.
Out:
{"hour": 12, "minute": 36, "second": 28}
